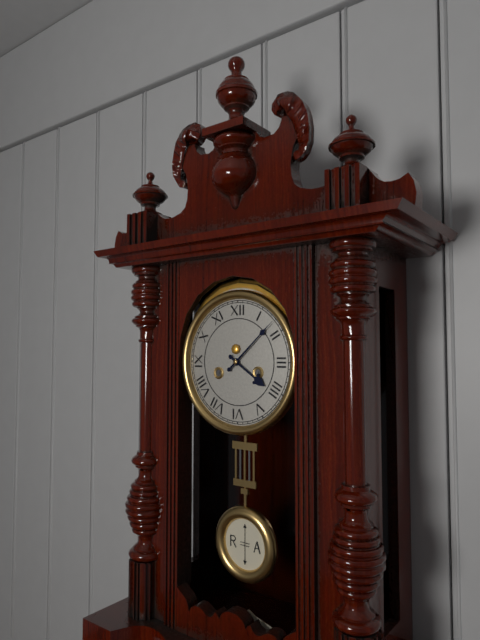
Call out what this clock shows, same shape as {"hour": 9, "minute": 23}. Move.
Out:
{"hour": 4, "minute": 8}
